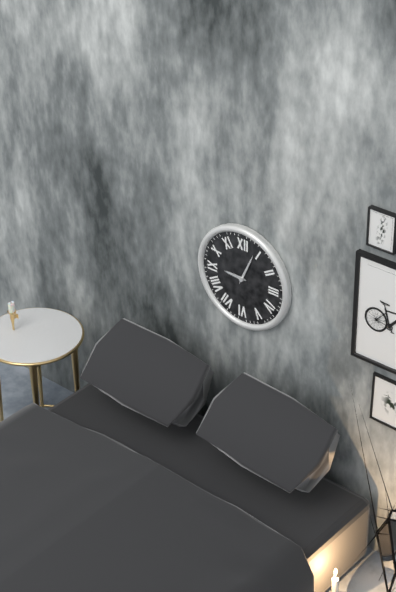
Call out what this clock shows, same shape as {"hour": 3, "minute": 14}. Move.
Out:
{"hour": 9, "minute": 4}
